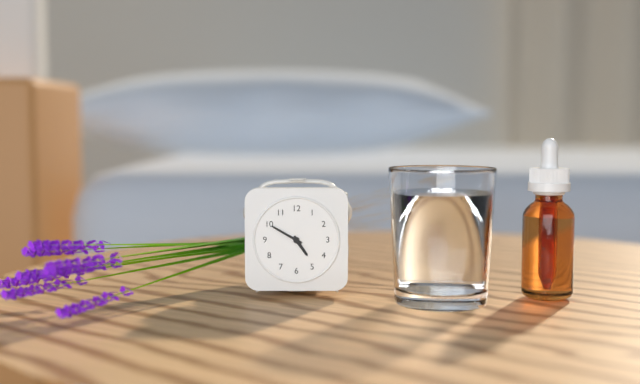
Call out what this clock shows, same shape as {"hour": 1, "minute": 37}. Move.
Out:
{"hour": 4, "minute": 50}
